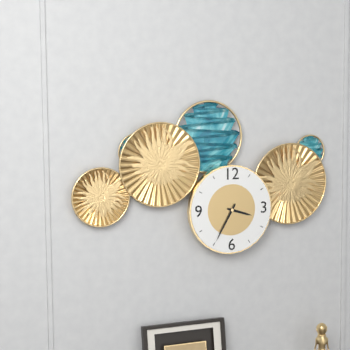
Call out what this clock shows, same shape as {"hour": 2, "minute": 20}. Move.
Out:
{"hour": 3, "minute": 35}
